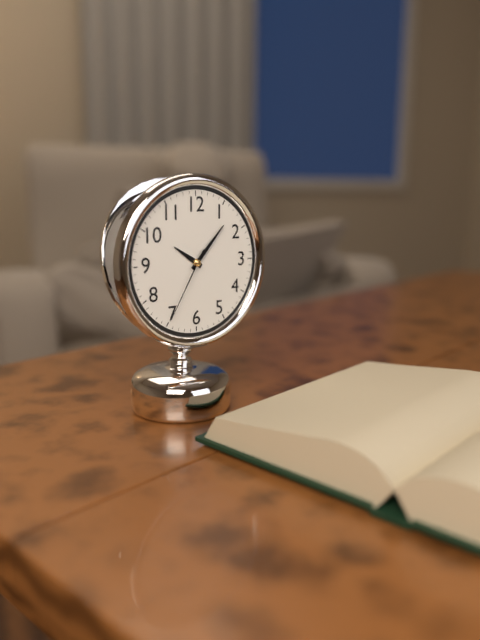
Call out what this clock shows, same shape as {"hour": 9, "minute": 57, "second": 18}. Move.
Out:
{"hour": 10, "minute": 7, "second": 35}
